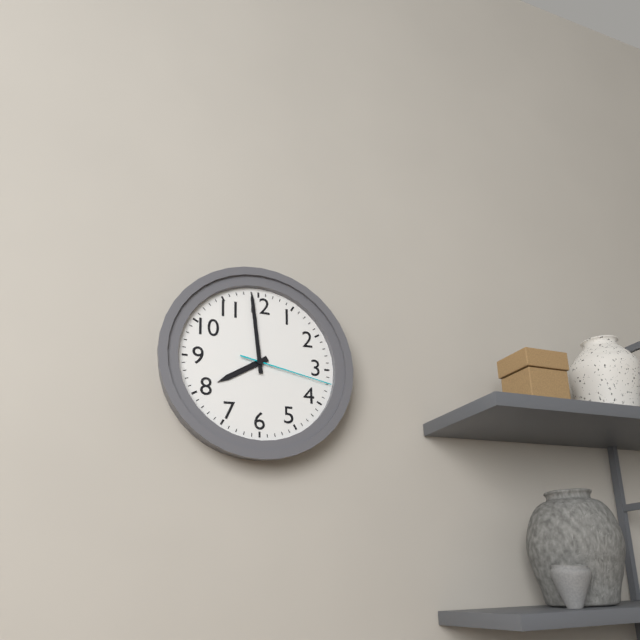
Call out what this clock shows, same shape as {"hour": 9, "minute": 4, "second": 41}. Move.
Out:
{"hour": 7, "minute": 59, "second": 17}
